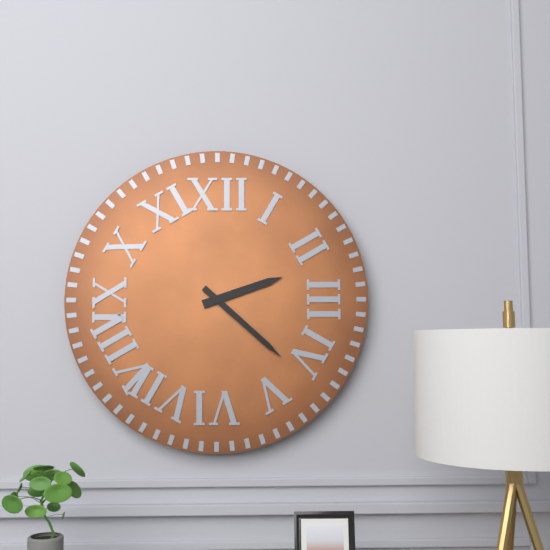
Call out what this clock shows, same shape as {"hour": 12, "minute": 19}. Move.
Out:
{"hour": 2, "minute": 22}
